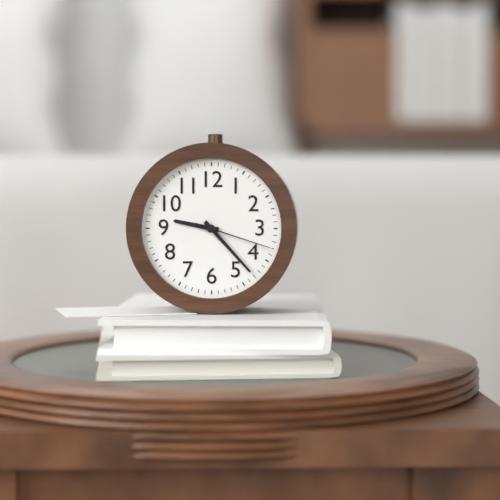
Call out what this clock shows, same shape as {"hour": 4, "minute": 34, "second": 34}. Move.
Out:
{"hour": 9, "minute": 23, "second": 18}
